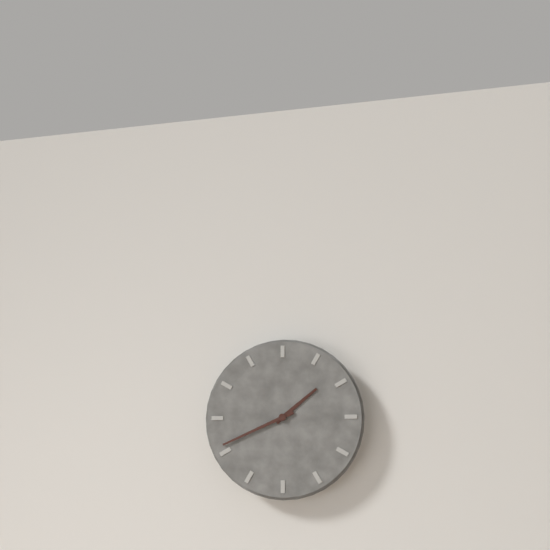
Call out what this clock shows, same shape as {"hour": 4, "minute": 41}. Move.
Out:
{"hour": 1, "minute": 41}
